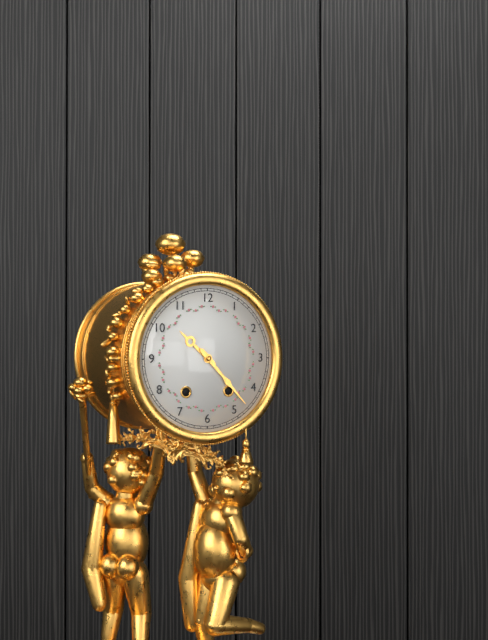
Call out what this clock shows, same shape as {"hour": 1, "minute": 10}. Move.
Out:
{"hour": 10, "minute": 23}
